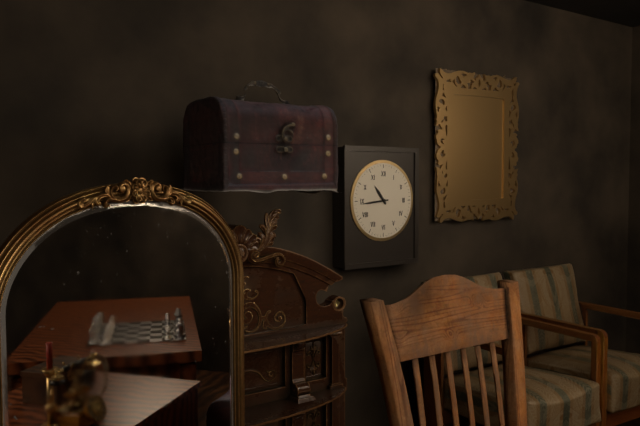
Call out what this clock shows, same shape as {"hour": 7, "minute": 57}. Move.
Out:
{"hour": 10, "minute": 44}
